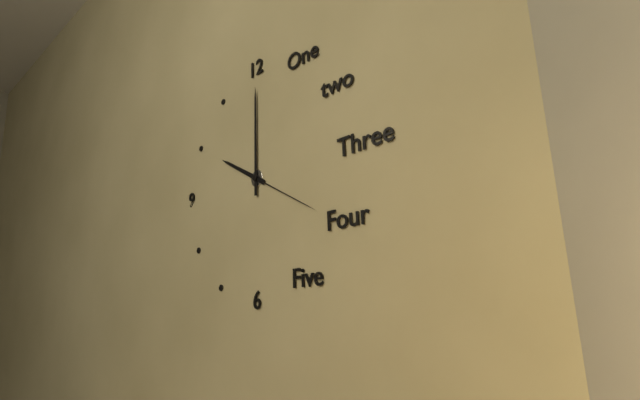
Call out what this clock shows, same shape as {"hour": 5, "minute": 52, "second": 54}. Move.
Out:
{"hour": 10, "minute": 0, "second": 20}
